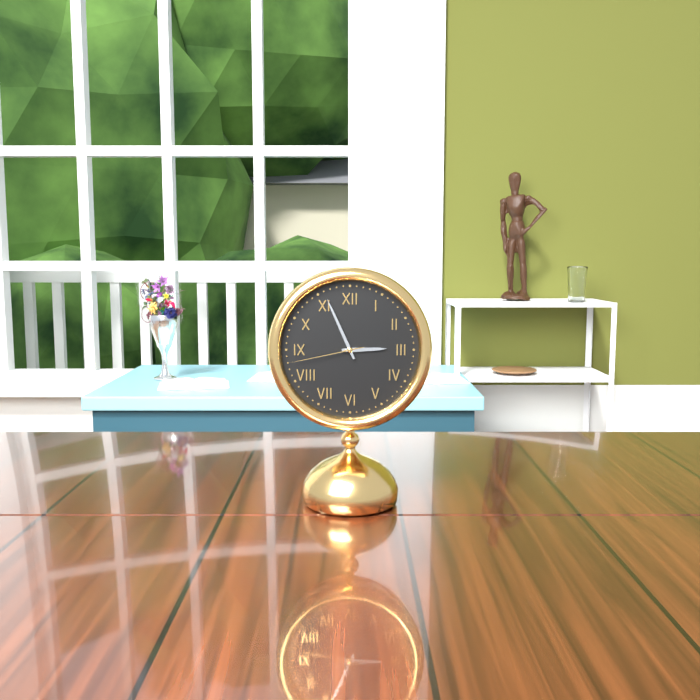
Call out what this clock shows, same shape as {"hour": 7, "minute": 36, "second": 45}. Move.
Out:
{"hour": 2, "minute": 56, "second": 43}
